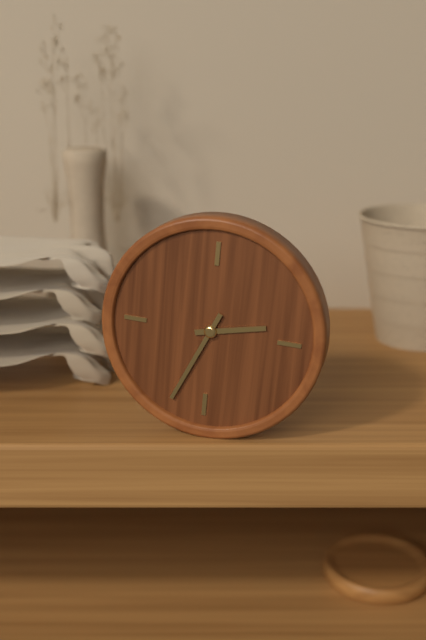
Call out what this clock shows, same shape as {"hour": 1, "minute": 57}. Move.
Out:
{"hour": 2, "minute": 34}
